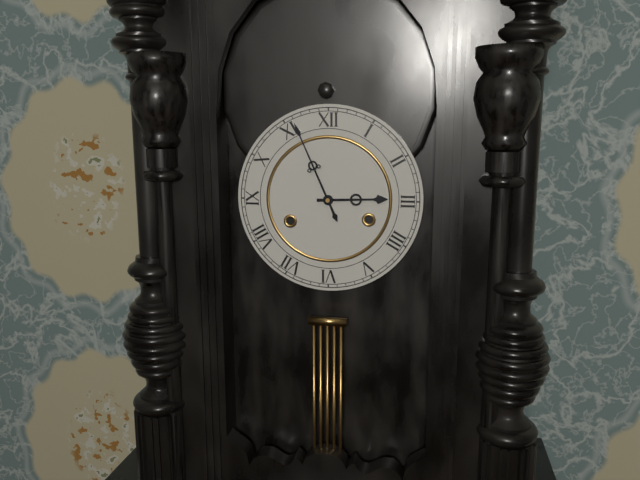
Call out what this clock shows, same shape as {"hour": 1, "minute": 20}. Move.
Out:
{"hour": 2, "minute": 56}
